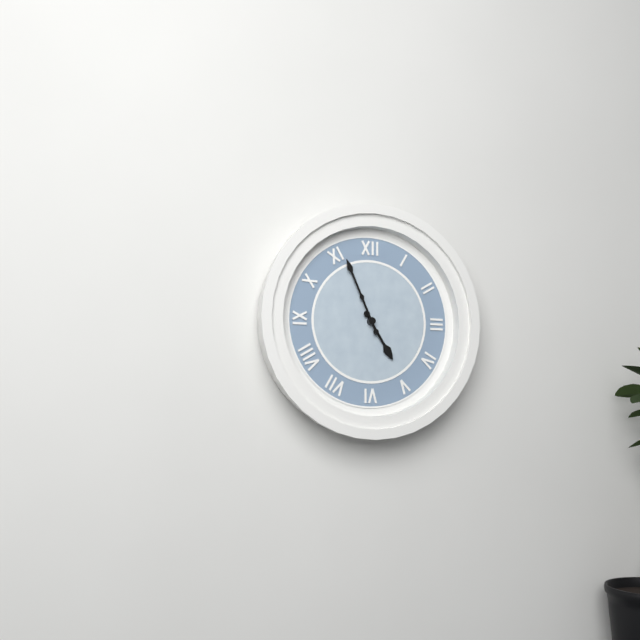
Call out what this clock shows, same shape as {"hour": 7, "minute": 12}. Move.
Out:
{"hour": 4, "minute": 56}
